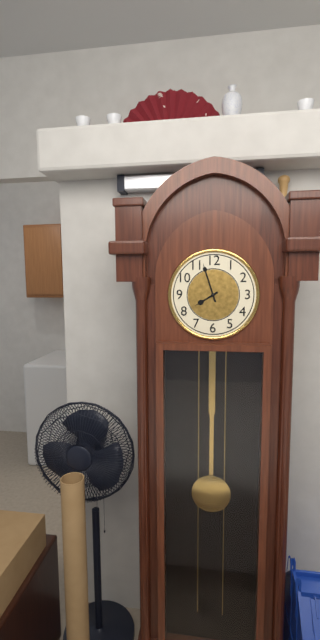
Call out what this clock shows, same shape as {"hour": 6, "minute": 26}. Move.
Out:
{"hour": 7, "minute": 57}
